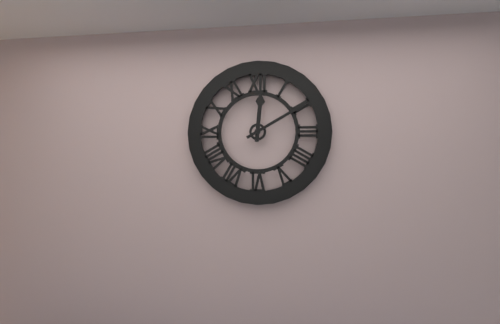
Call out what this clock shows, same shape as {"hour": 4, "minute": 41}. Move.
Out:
{"hour": 12, "minute": 10}
